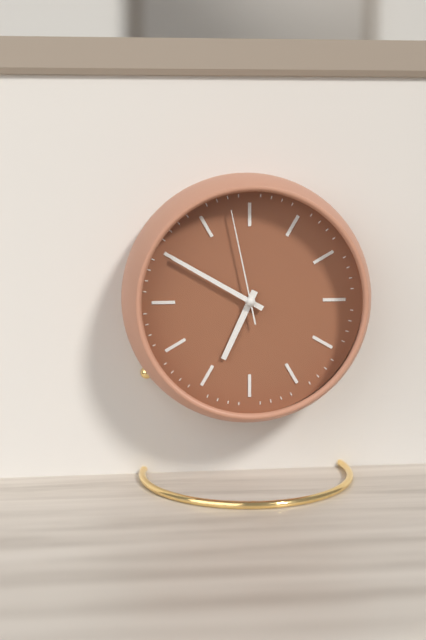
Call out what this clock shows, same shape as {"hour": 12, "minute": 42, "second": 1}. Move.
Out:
{"hour": 6, "minute": 50, "second": 58}
